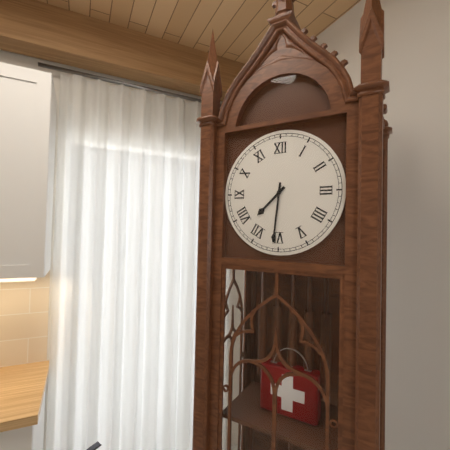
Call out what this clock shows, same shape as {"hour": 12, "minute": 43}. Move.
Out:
{"hour": 7, "minute": 31}
